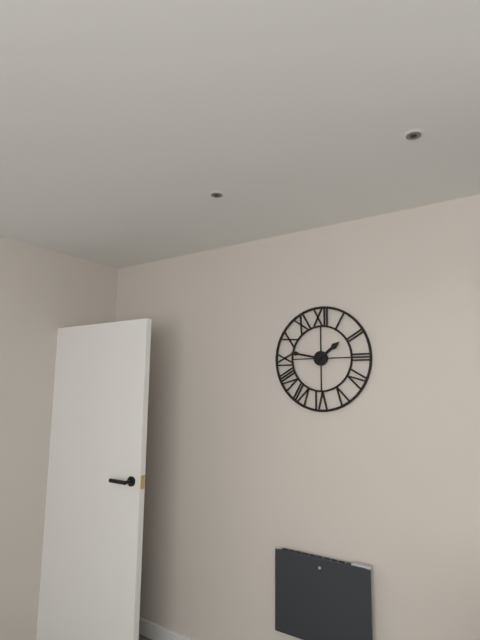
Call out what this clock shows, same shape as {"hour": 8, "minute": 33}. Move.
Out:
{"hour": 1, "minute": 47}
